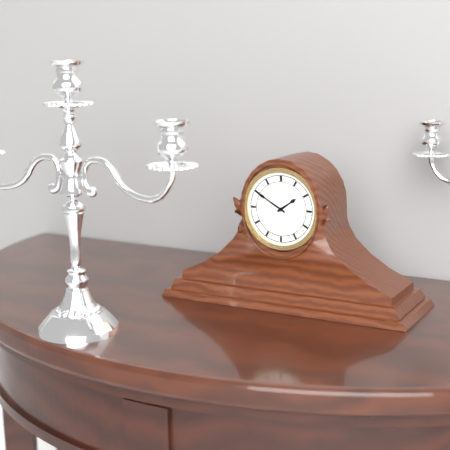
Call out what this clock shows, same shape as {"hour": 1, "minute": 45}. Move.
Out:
{"hour": 1, "minute": 50}
